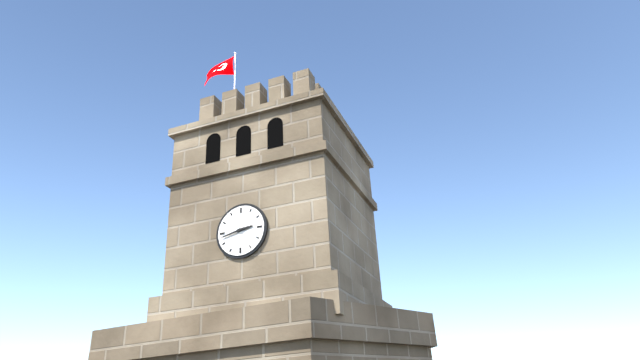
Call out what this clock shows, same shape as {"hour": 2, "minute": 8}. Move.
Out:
{"hour": 2, "minute": 43}
